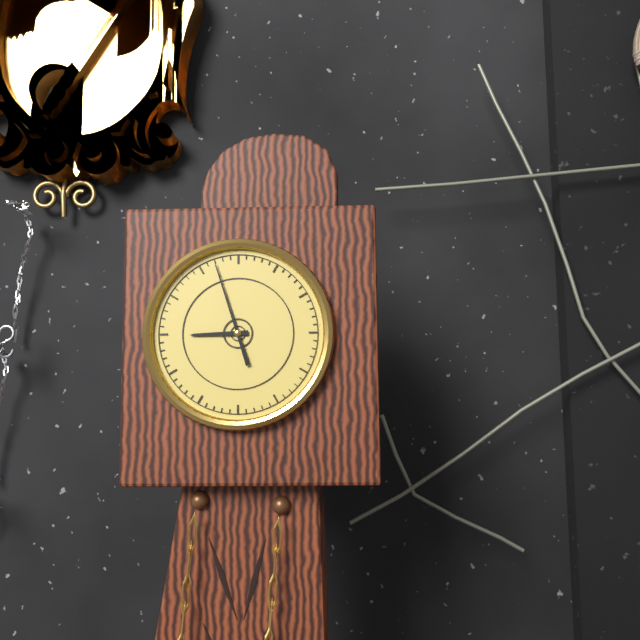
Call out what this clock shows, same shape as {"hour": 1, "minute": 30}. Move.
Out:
{"hour": 8, "minute": 57}
